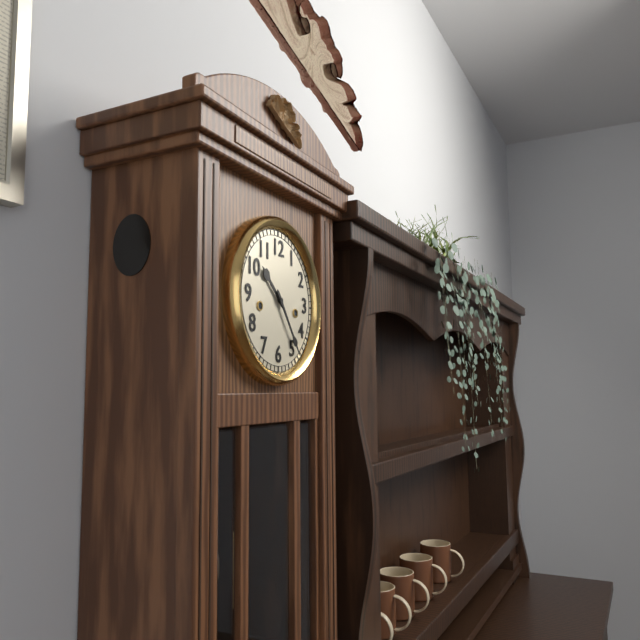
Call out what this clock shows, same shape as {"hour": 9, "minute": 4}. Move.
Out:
{"hour": 10, "minute": 24}
